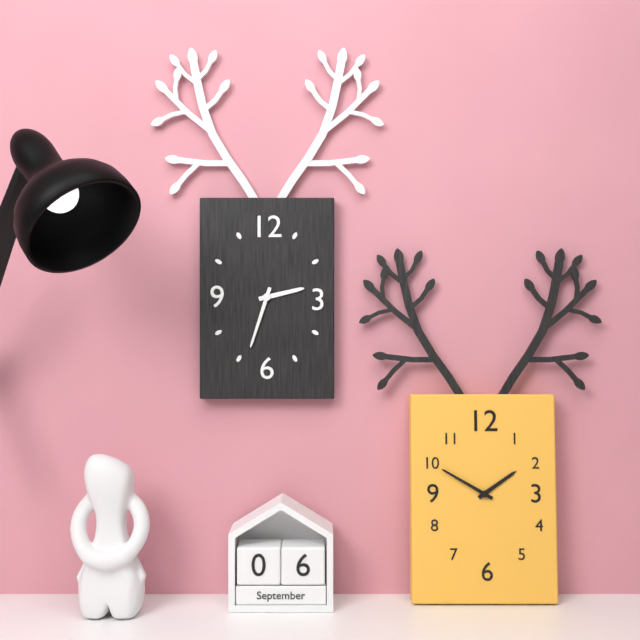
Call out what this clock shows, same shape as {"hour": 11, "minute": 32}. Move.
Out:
{"hour": 2, "minute": 33}
